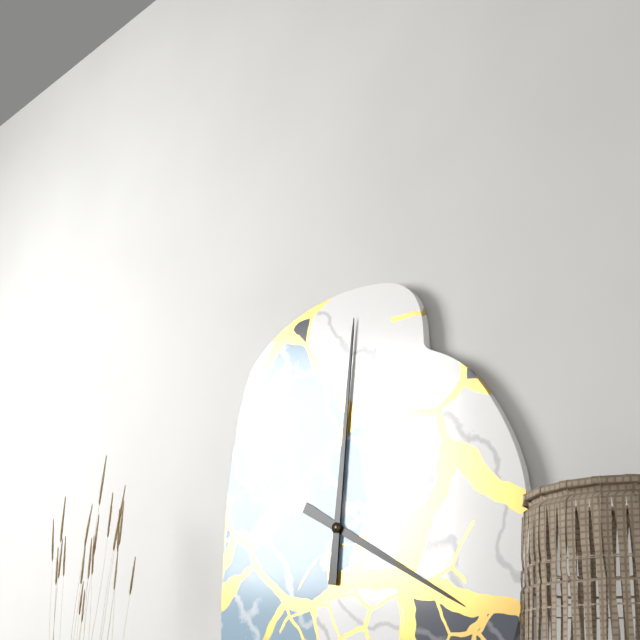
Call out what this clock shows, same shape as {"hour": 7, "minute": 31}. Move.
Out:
{"hour": 4, "minute": 1}
